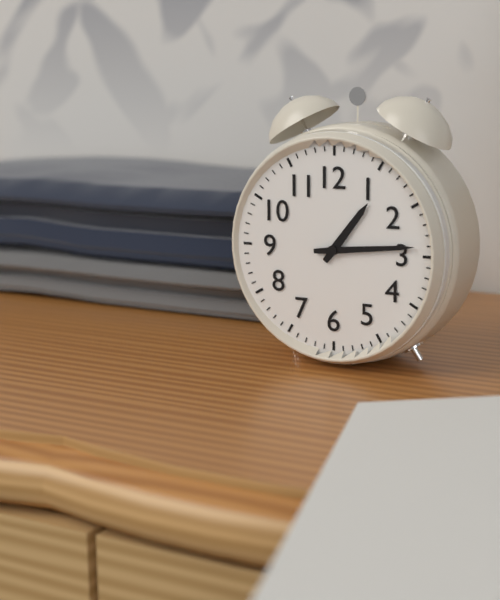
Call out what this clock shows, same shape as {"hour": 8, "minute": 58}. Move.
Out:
{"hour": 1, "minute": 14}
